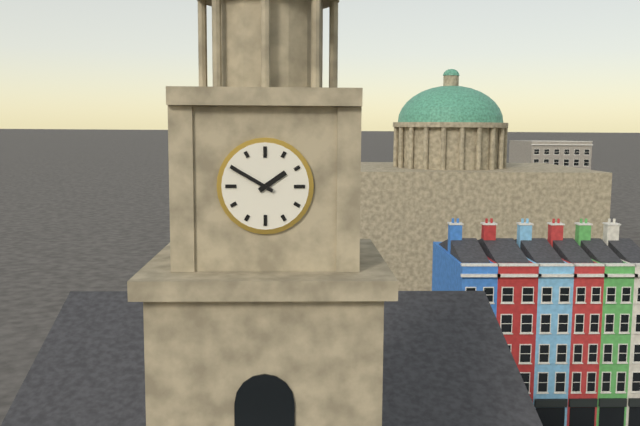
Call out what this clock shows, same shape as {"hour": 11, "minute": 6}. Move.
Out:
{"hour": 1, "minute": 50}
